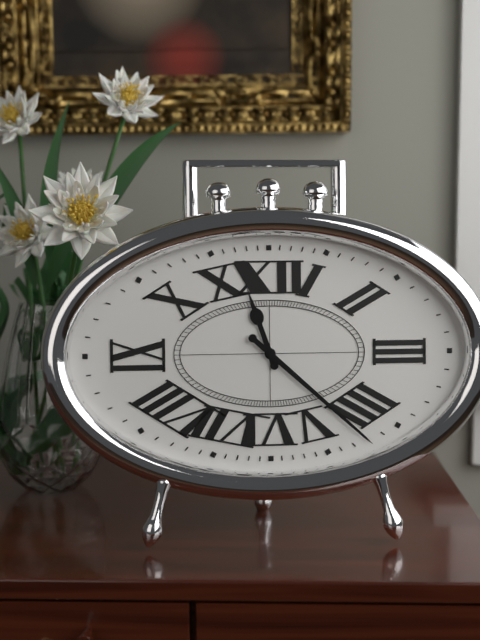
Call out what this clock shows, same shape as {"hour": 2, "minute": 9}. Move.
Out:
{"hour": 11, "minute": 22}
